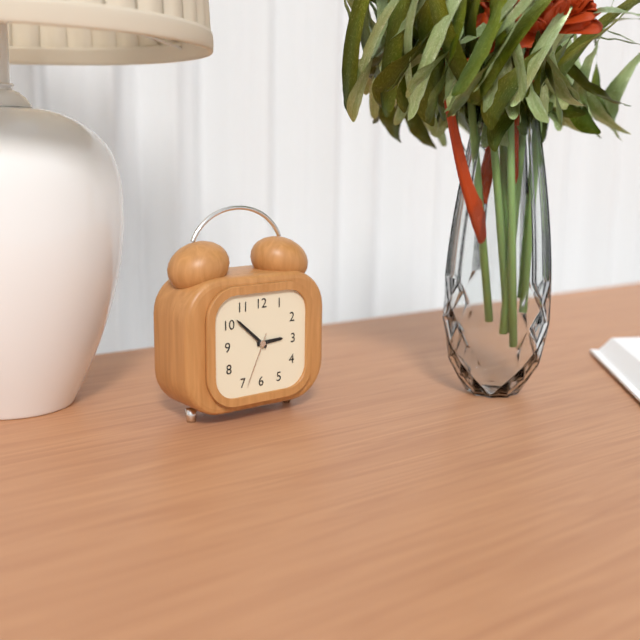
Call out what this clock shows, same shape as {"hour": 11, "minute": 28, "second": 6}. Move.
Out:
{"hour": 2, "minute": 52, "second": 34}
